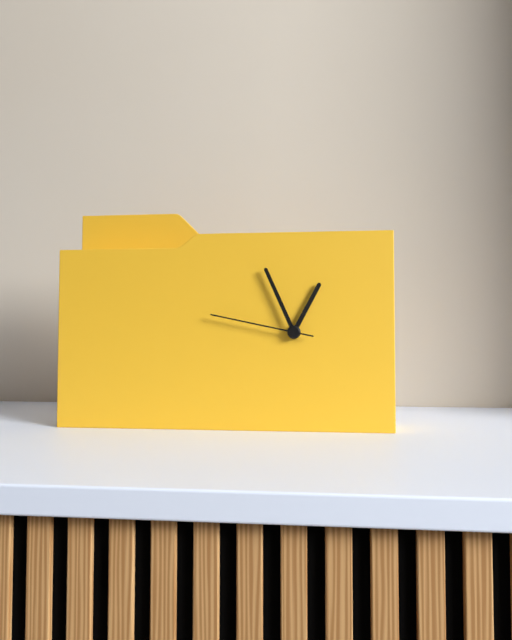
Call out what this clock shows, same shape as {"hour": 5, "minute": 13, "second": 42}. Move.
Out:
{"hour": 12, "minute": 56, "second": 47}
